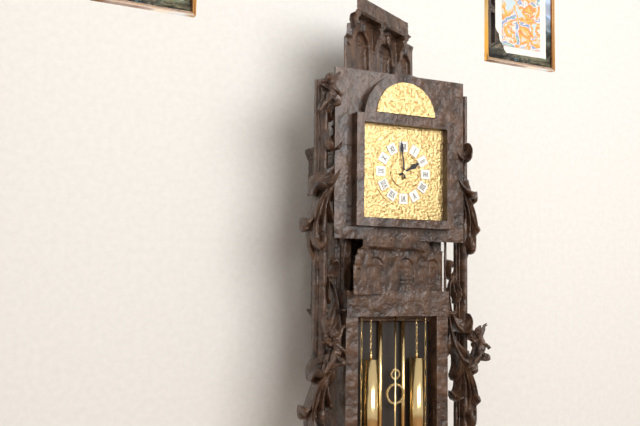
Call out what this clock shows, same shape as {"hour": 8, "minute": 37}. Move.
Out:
{"hour": 1, "minute": 59}
